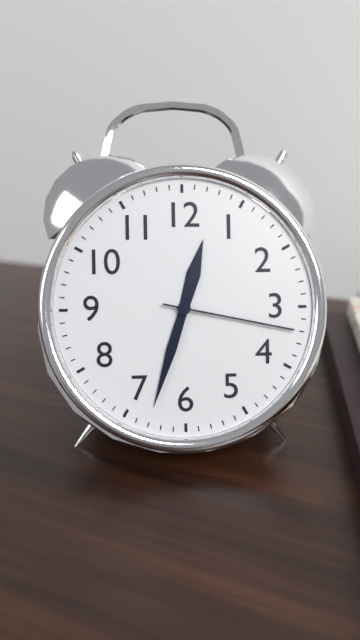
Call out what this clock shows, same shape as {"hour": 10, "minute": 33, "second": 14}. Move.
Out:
{"hour": 12, "minute": 33, "second": 17}
